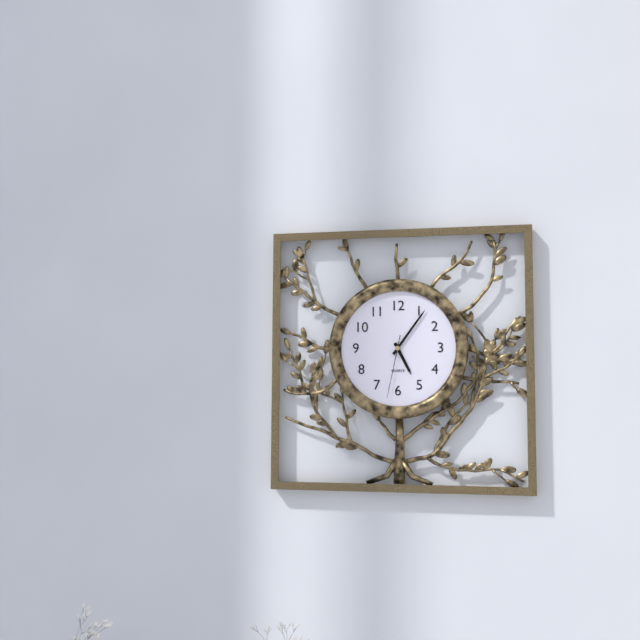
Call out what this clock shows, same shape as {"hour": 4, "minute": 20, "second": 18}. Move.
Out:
{"hour": 5, "minute": 6, "second": 32}
